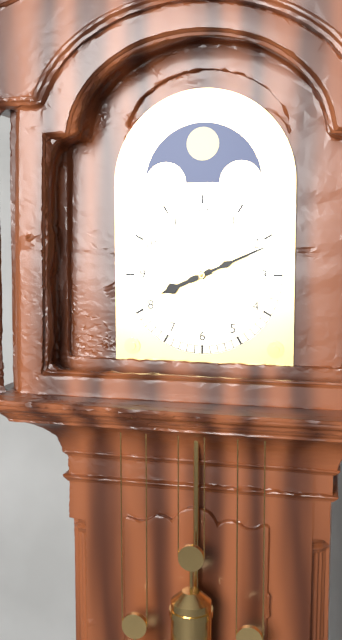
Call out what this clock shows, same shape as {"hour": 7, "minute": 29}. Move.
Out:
{"hour": 8, "minute": 11}
